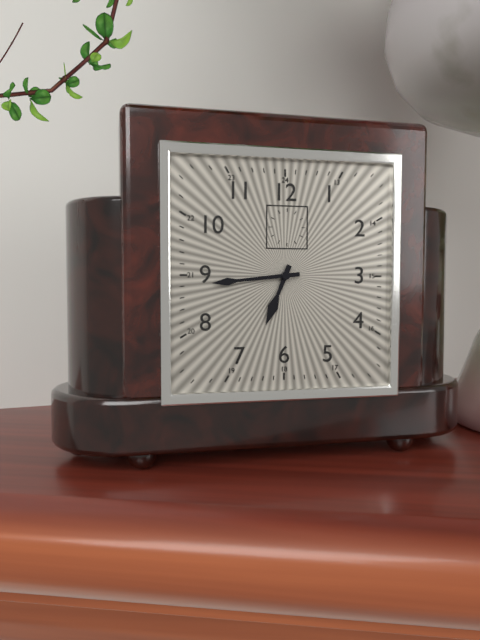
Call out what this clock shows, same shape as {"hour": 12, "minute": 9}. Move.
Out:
{"hour": 6, "minute": 44}
